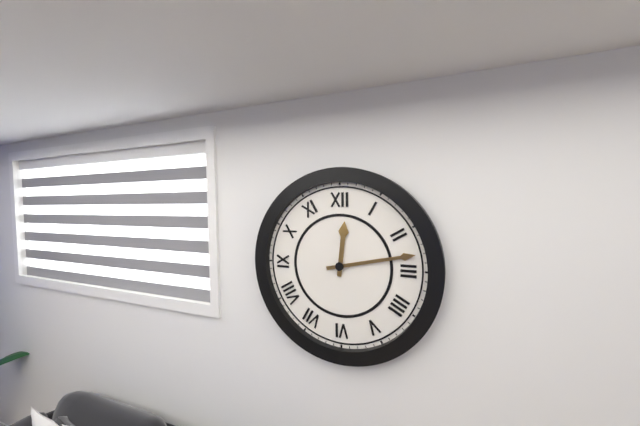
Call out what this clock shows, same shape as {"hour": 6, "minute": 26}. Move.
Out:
{"hour": 12, "minute": 13}
